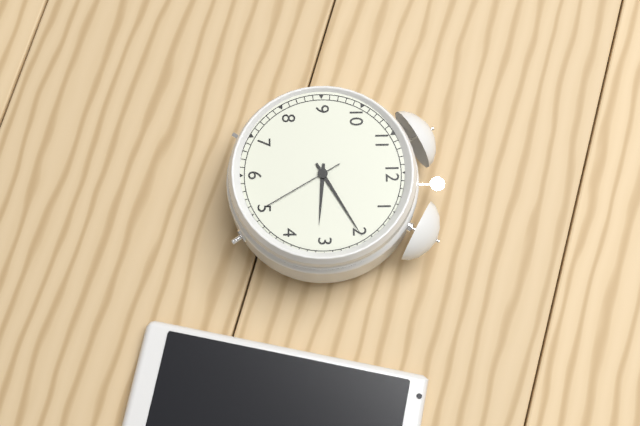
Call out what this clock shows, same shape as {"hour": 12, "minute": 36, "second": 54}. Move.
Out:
{"hour": 3, "minute": 10, "second": 25}
